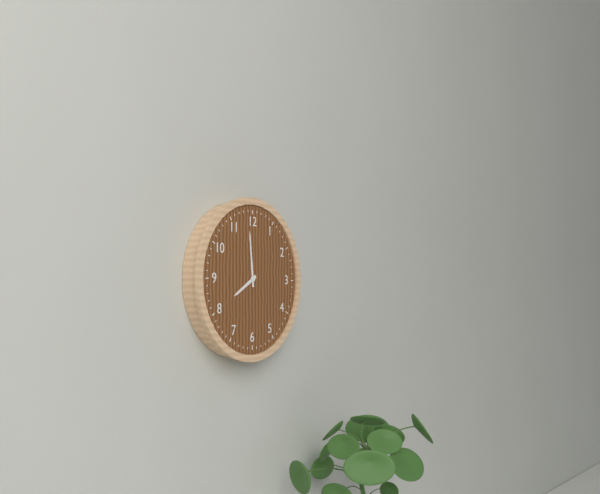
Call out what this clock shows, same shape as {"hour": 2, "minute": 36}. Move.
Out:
{"hour": 7, "minute": 59}
